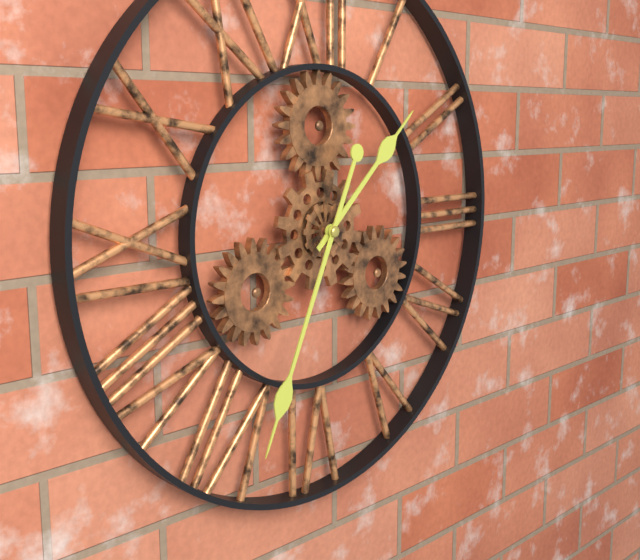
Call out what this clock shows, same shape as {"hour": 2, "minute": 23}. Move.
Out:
{"hour": 1, "minute": 34}
